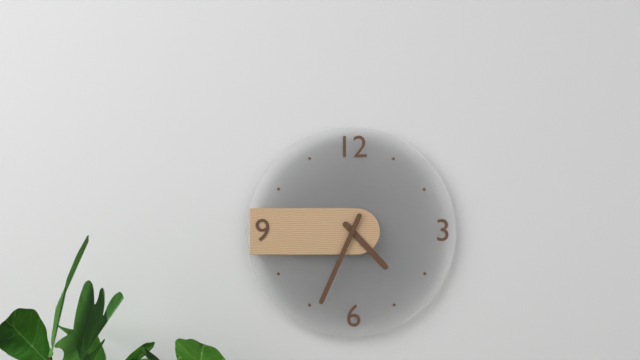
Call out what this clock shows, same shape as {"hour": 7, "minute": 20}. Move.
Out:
{"hour": 4, "minute": 34}
